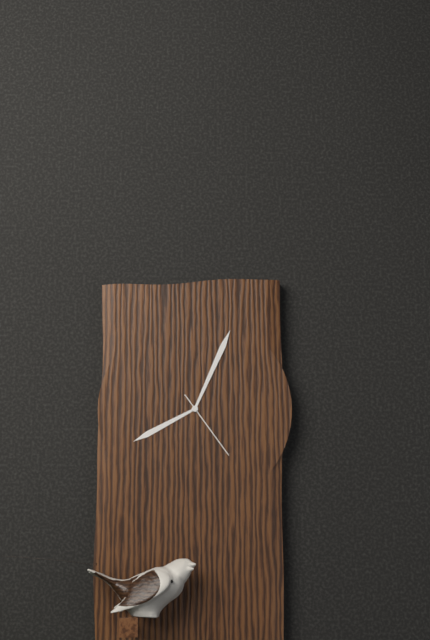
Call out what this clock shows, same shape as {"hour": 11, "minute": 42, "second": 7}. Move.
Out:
{"hour": 8, "minute": 4, "second": 24}
